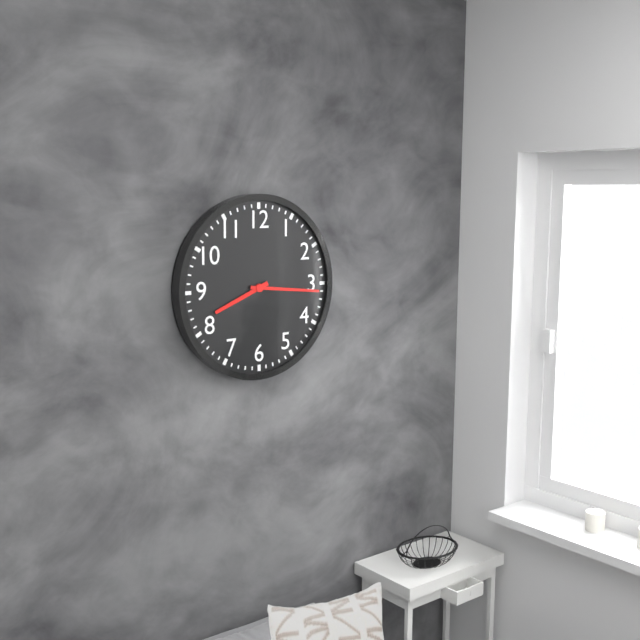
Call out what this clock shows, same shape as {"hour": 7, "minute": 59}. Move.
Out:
{"hour": 8, "minute": 16}
